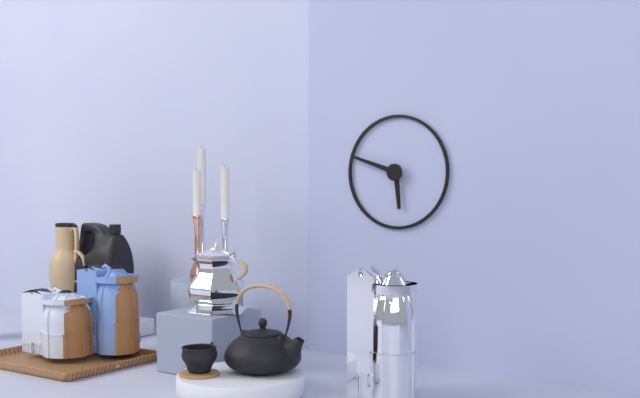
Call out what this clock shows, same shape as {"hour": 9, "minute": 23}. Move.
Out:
{"hour": 5, "minute": 48}
